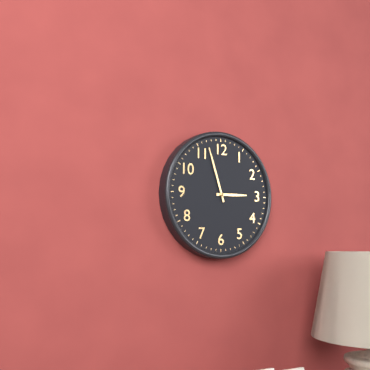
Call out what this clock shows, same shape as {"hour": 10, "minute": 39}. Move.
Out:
{"hour": 2, "minute": 57}
